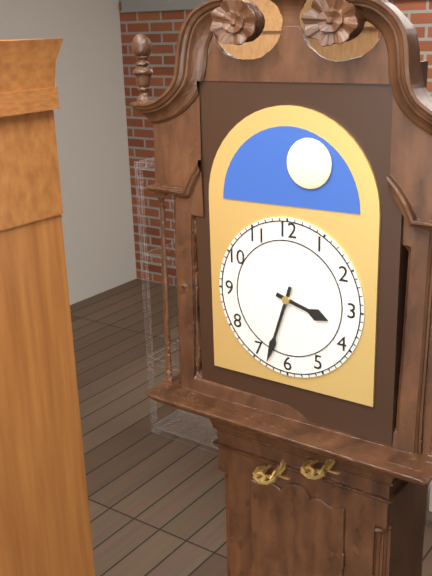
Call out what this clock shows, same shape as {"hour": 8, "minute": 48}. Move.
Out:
{"hour": 3, "minute": 33}
